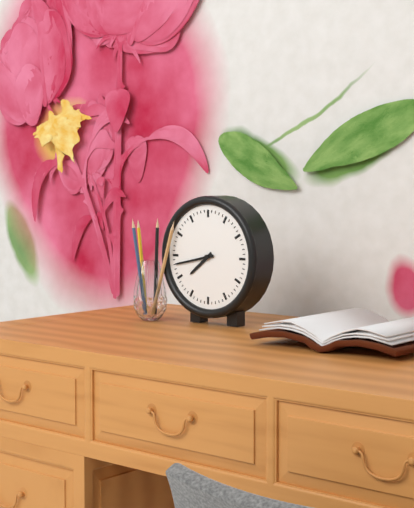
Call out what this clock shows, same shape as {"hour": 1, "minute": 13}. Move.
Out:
{"hour": 7, "minute": 43}
